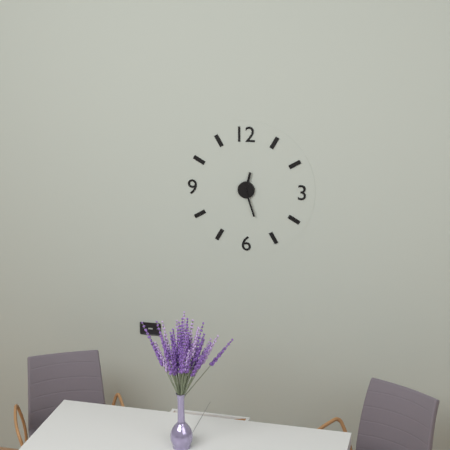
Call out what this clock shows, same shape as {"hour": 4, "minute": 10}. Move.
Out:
{"hour": 12, "minute": 27}
